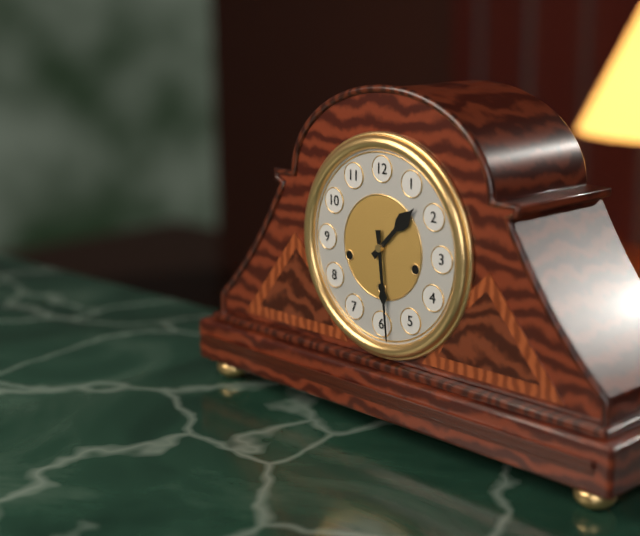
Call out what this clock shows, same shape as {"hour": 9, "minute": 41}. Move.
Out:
{"hour": 1, "minute": 29}
